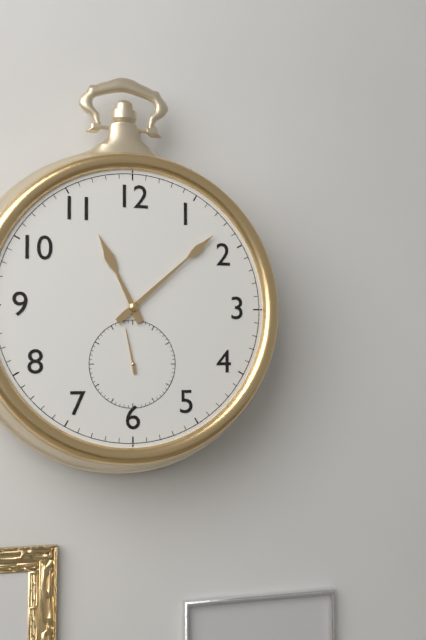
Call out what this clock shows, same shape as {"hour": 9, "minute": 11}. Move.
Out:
{"hour": 11, "minute": 8}
